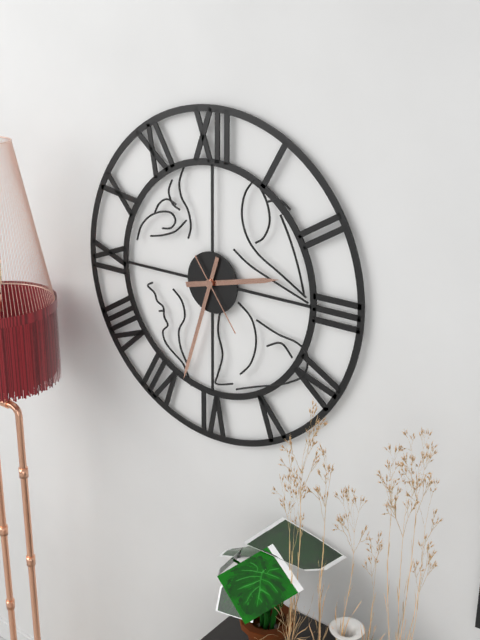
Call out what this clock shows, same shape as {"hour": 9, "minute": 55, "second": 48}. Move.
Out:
{"hour": 2, "minute": 33, "second": 24}
